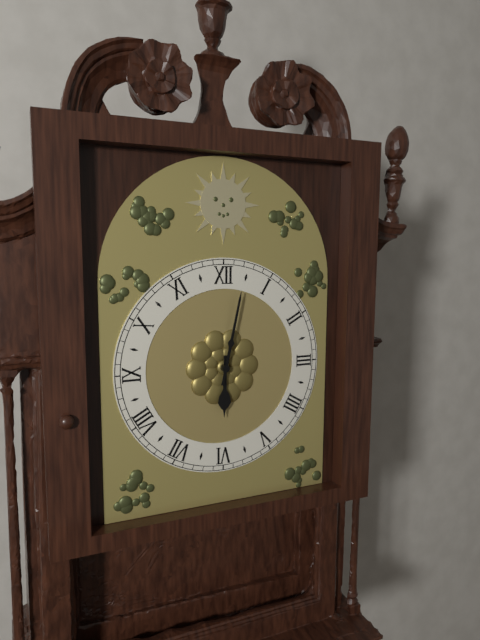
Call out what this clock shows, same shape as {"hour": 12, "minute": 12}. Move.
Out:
{"hour": 6, "minute": 2}
